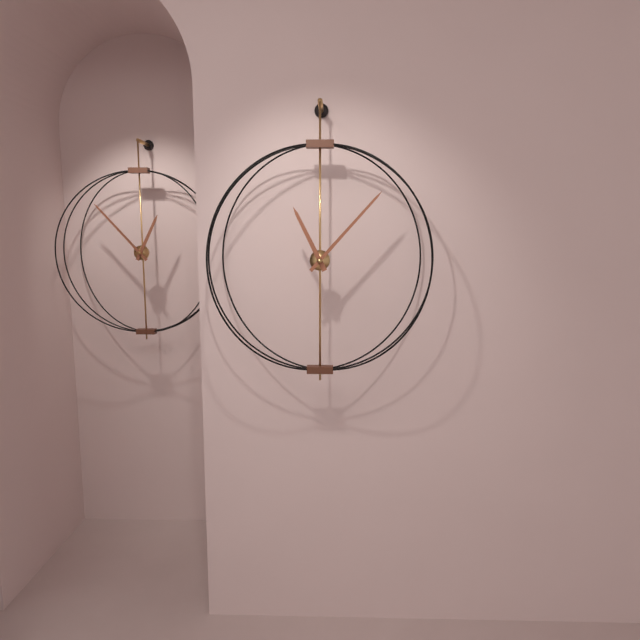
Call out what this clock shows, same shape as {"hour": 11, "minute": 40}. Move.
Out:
{"hour": 11, "minute": 7}
